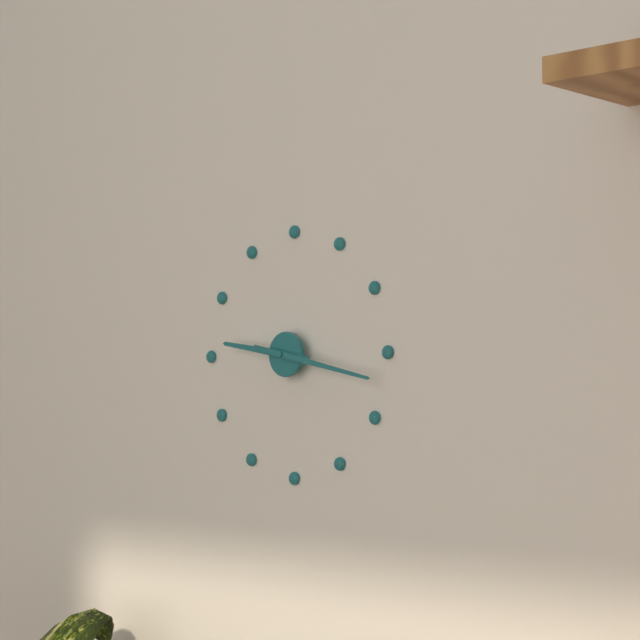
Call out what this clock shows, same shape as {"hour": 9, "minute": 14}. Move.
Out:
{"hour": 9, "minute": 17}
